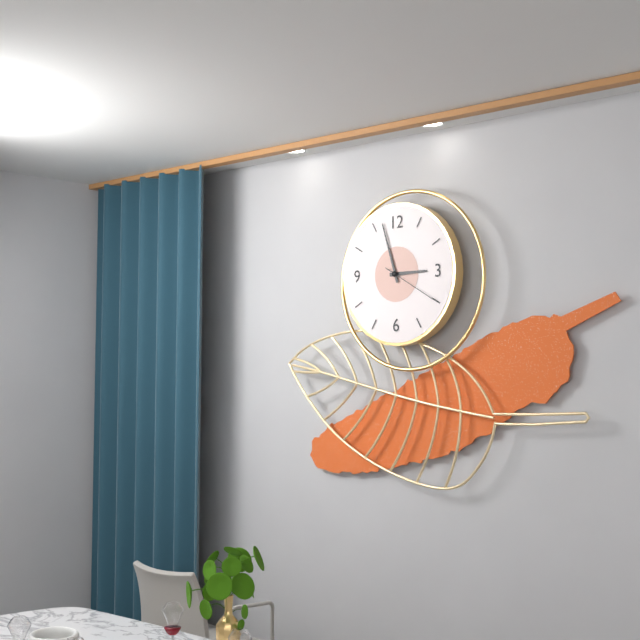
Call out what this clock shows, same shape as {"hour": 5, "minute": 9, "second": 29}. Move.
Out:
{"hour": 2, "minute": 57, "second": 20}
